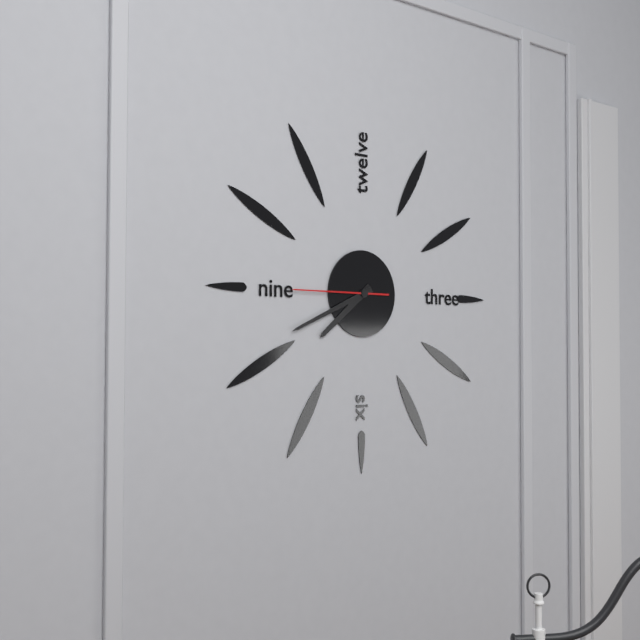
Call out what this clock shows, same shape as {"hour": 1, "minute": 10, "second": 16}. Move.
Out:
{"hour": 7, "minute": 41, "second": 45}
